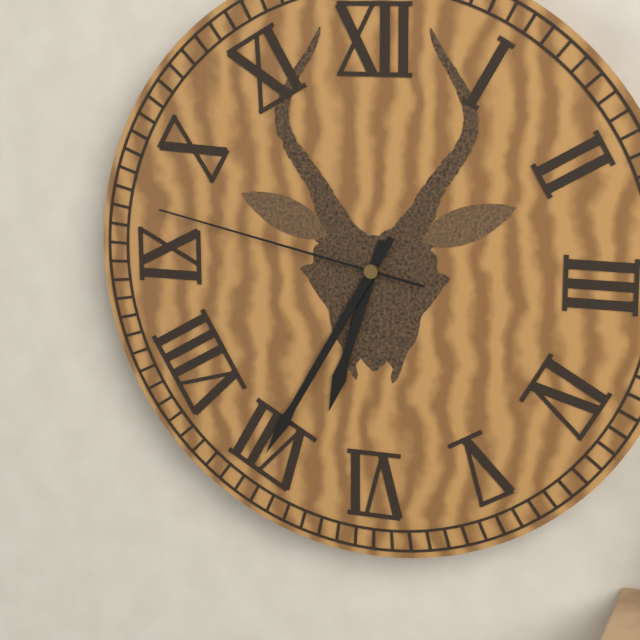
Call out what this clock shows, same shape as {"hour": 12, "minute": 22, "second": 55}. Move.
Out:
{"hour": 6, "minute": 35, "second": 47}
